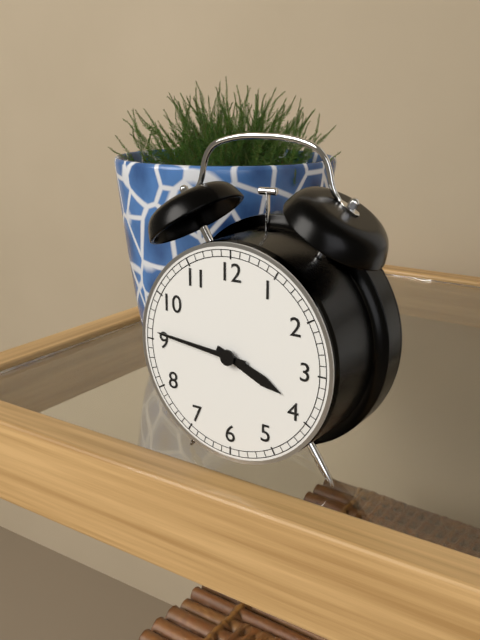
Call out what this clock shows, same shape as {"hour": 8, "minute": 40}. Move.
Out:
{"hour": 3, "minute": 46}
